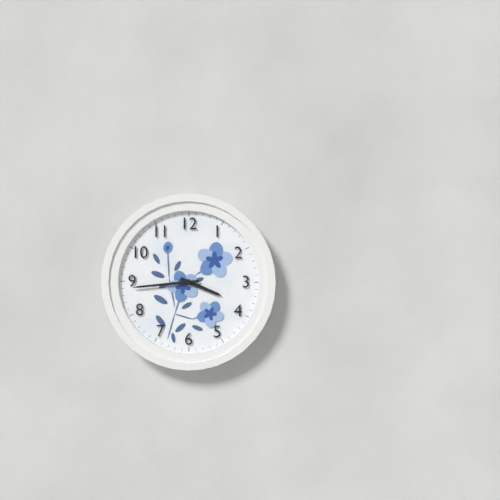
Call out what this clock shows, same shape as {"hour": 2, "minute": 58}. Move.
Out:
{"hour": 3, "minute": 44}
